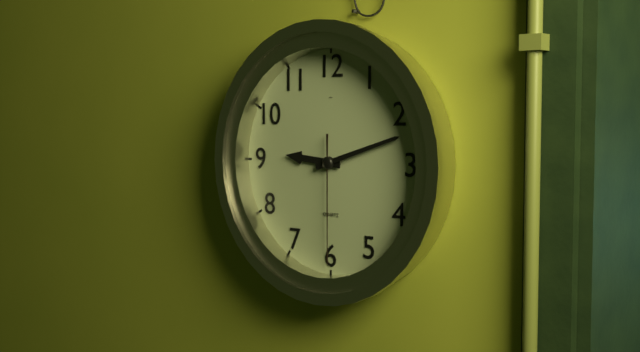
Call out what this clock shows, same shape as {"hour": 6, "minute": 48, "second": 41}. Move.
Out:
{"hour": 9, "minute": 12, "second": 30}
